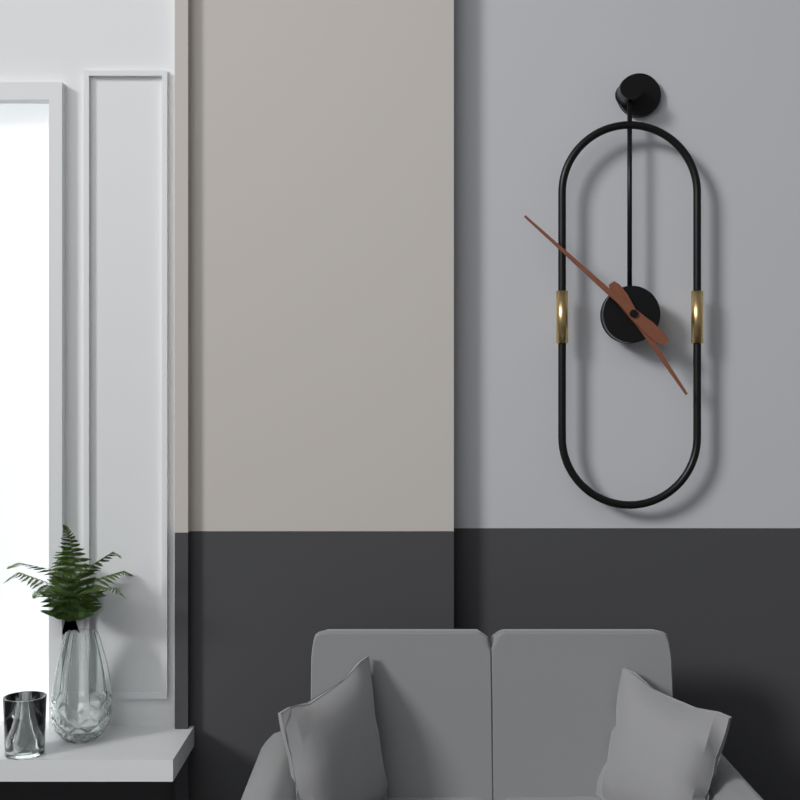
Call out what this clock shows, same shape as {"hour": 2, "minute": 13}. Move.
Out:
{"hour": 4, "minute": 52}
